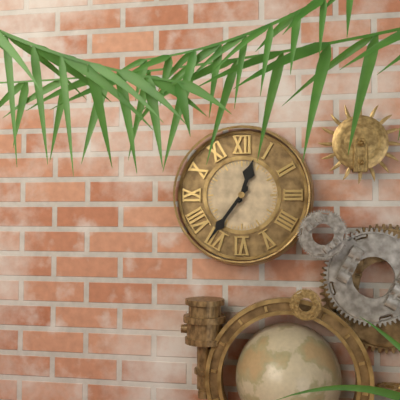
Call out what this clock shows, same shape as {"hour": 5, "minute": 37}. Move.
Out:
{"hour": 12, "minute": 36}
